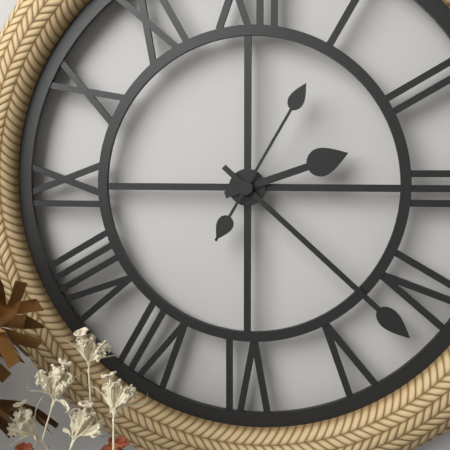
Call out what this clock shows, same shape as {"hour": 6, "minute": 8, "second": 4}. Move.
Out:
{"hour": 2, "minute": 22, "second": 5}
